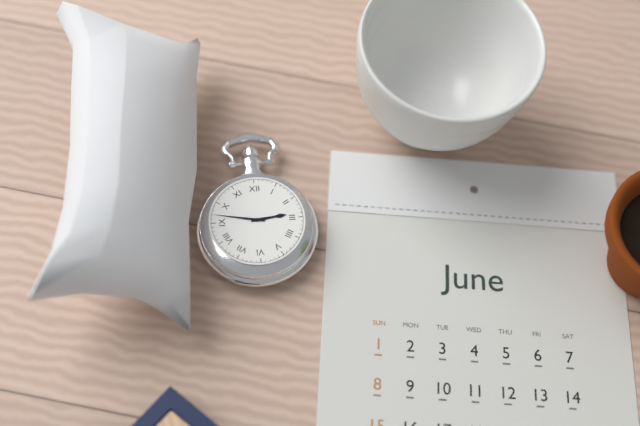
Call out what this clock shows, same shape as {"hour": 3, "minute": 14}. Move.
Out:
{"hour": 2, "minute": 47}
